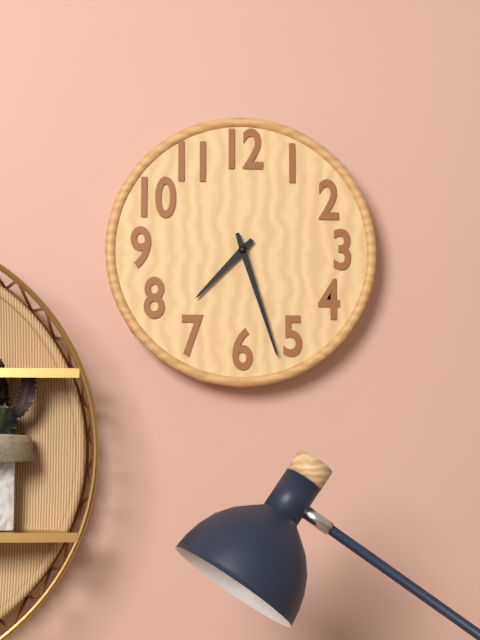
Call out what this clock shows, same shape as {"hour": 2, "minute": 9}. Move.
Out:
{"hour": 7, "minute": 27}
